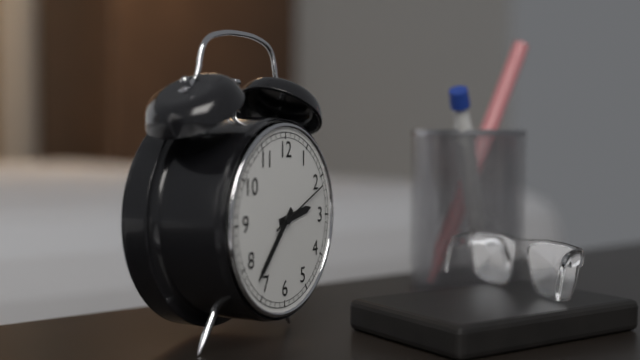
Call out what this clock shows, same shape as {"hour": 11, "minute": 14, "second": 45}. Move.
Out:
{"hour": 2, "minute": 37, "second": 11}
